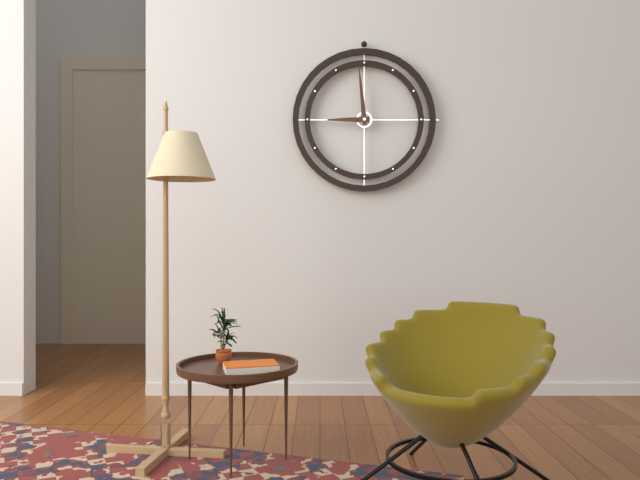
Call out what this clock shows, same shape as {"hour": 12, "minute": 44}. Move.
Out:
{"hour": 8, "minute": 59}
